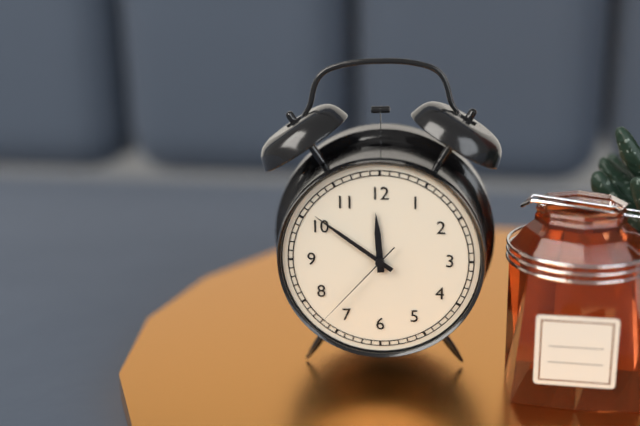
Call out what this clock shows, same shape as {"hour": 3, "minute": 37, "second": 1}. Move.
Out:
{"hour": 11, "minute": 51, "second": 37}
